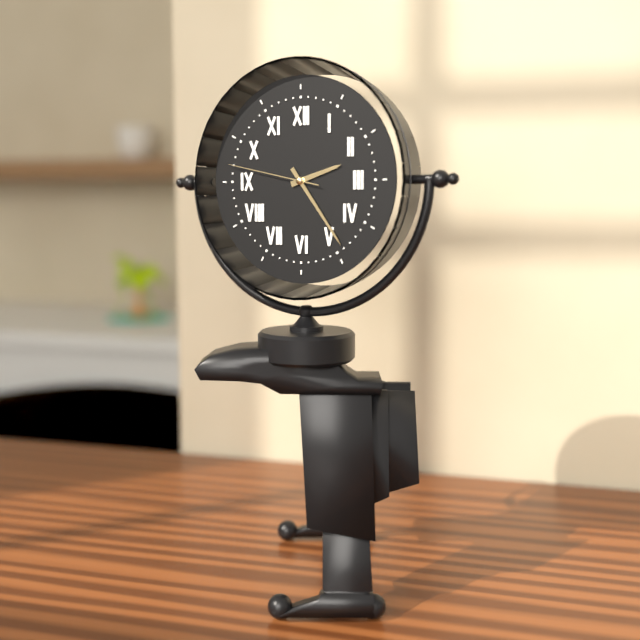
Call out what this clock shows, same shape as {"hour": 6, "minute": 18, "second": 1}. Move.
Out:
{"hour": 2, "minute": 24, "second": 47}
